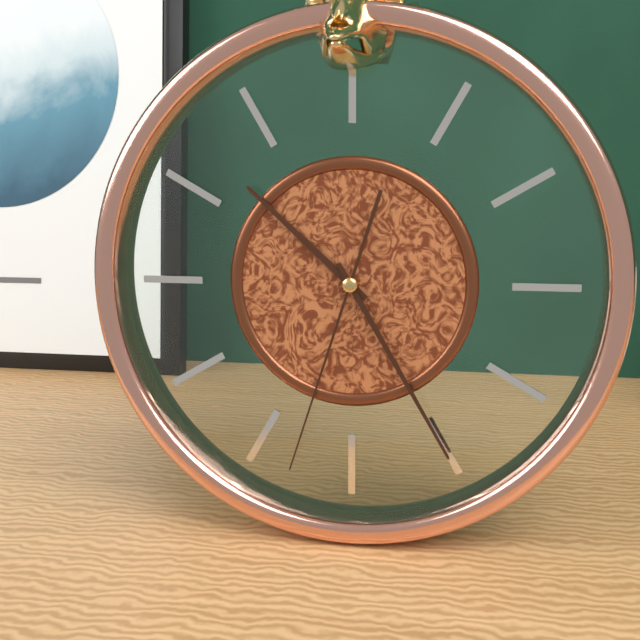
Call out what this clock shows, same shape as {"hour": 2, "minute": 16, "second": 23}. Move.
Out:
{"hour": 10, "minute": 25, "second": 33}
